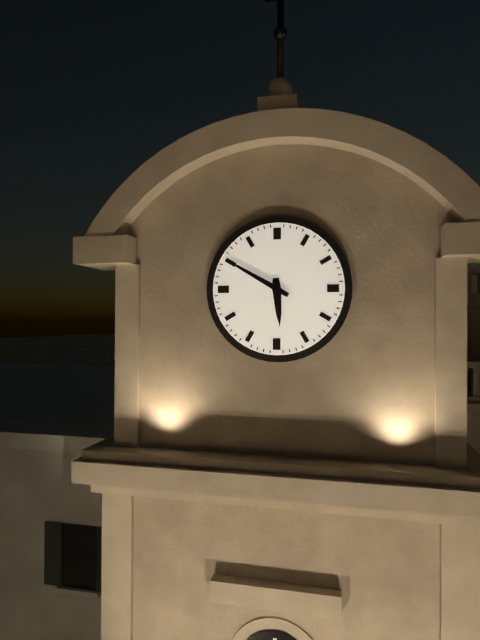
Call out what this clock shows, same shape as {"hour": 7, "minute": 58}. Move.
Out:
{"hour": 5, "minute": 50}
